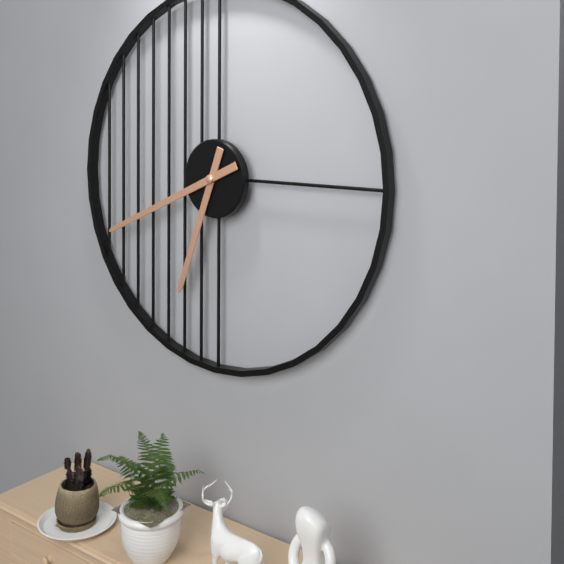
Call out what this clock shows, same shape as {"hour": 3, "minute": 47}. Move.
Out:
{"hour": 6, "minute": 41}
